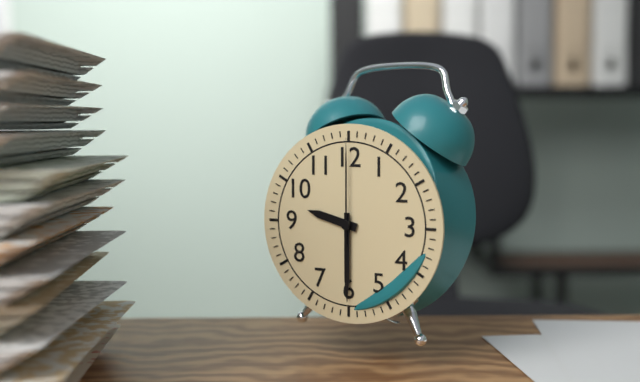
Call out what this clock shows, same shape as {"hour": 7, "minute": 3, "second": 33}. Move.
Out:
{"hour": 9, "minute": 30, "second": 0}
